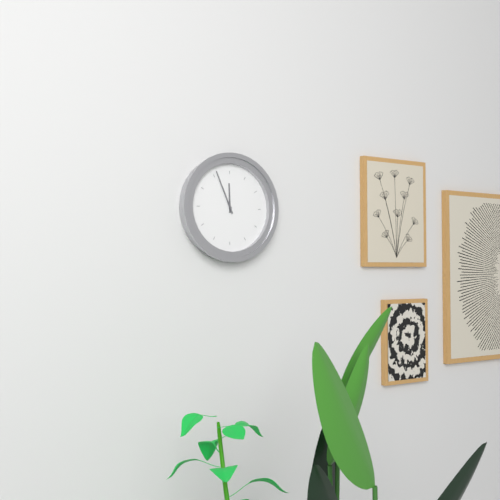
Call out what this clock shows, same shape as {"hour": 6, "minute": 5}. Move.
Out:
{"hour": 11, "minute": 56}
